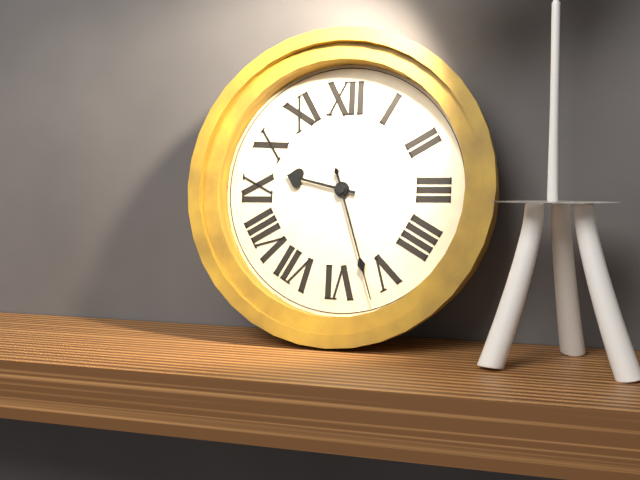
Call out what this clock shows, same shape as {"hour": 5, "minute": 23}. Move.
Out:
{"hour": 9, "minute": 27}
